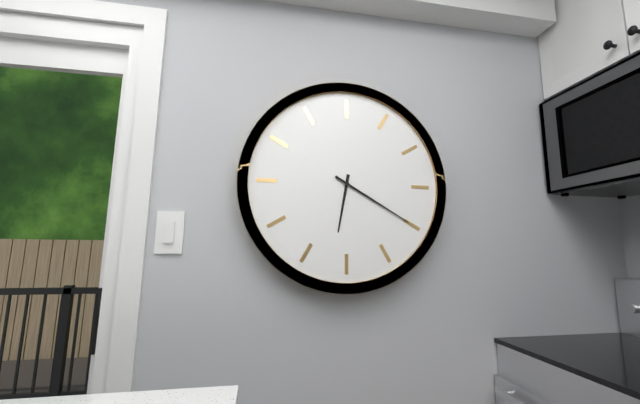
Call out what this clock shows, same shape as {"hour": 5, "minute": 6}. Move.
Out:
{"hour": 6, "minute": 20}
